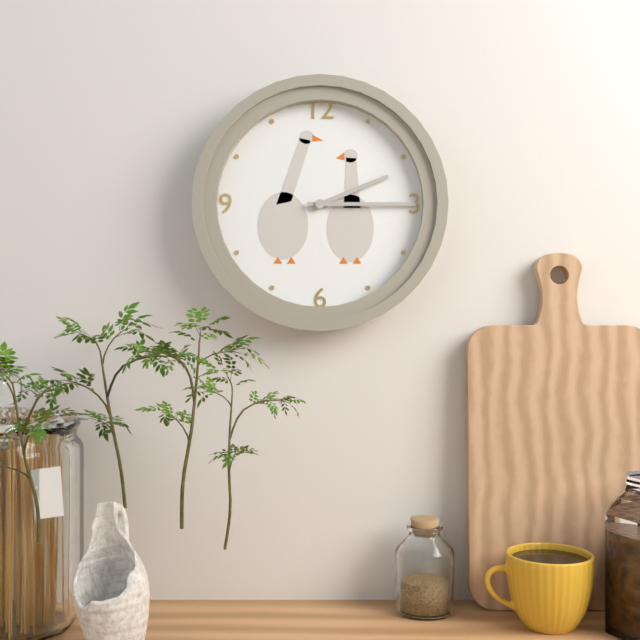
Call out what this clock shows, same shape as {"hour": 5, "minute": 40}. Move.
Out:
{"hour": 2, "minute": 15}
